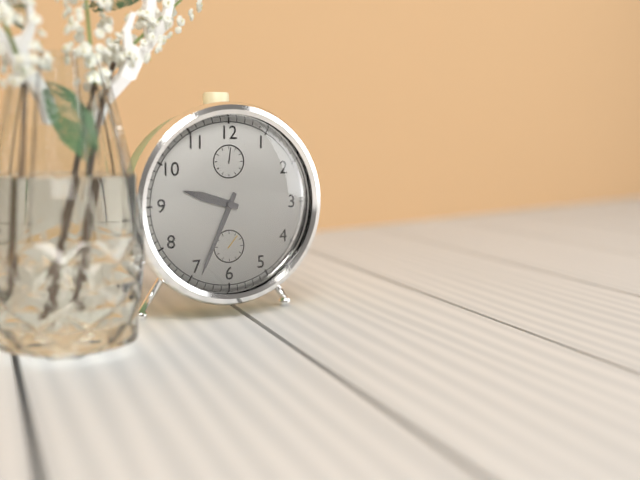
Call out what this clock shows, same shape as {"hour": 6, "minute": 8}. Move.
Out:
{"hour": 9, "minute": 34}
